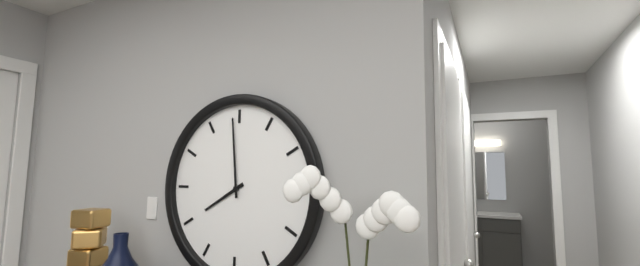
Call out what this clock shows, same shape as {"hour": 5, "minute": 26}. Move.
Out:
{"hour": 7, "minute": 59}
